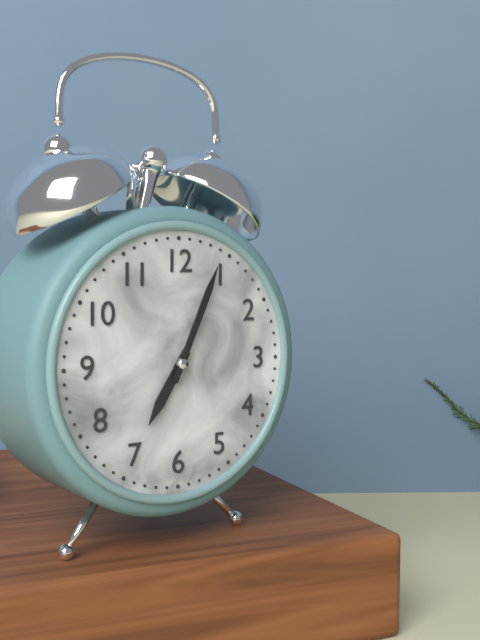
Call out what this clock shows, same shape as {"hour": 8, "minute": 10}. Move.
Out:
{"hour": 7, "minute": 4}
